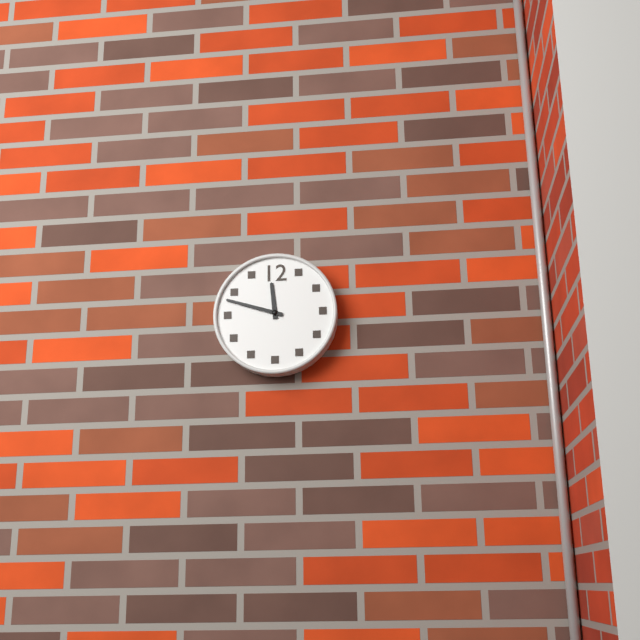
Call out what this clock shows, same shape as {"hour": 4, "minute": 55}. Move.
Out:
{"hour": 11, "minute": 48}
